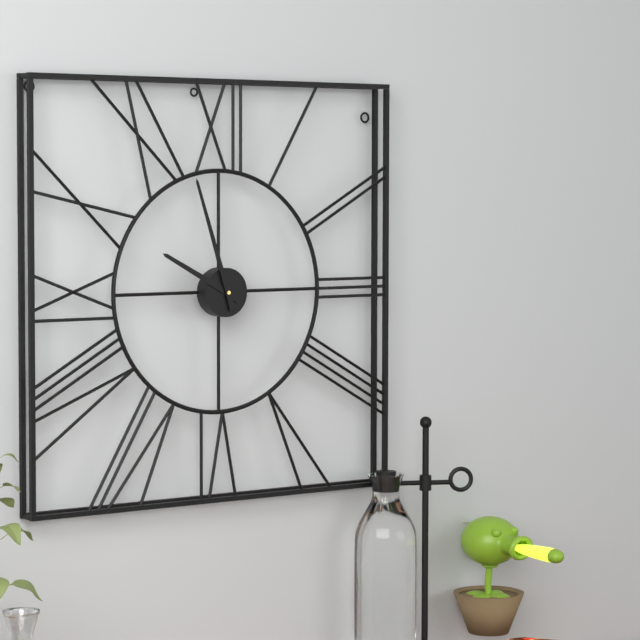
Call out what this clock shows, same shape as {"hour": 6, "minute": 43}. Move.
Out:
{"hour": 9, "minute": 57}
